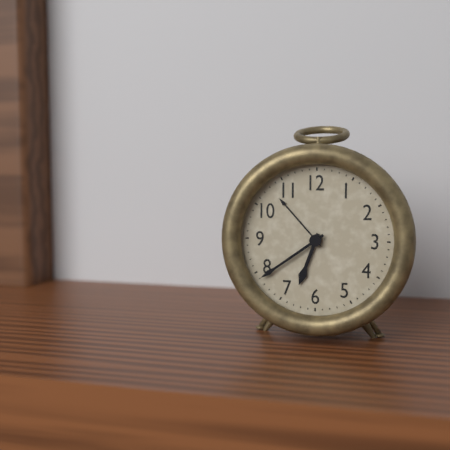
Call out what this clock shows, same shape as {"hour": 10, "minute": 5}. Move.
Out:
{"hour": 6, "minute": 39}
